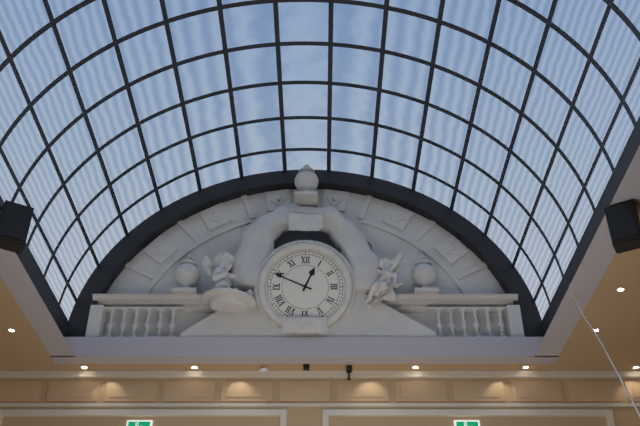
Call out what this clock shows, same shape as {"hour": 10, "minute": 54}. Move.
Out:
{"hour": 12, "minute": 49}
